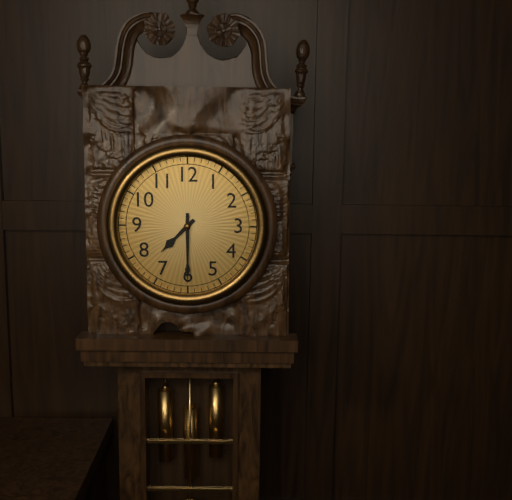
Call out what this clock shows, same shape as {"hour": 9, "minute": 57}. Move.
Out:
{"hour": 7, "minute": 30}
